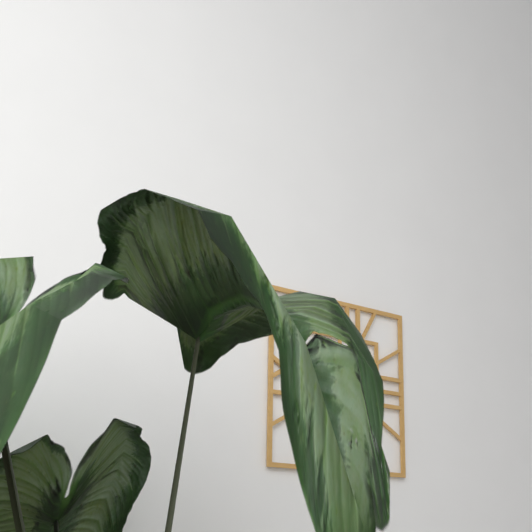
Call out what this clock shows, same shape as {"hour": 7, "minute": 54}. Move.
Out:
{"hour": 6, "minute": 19}
